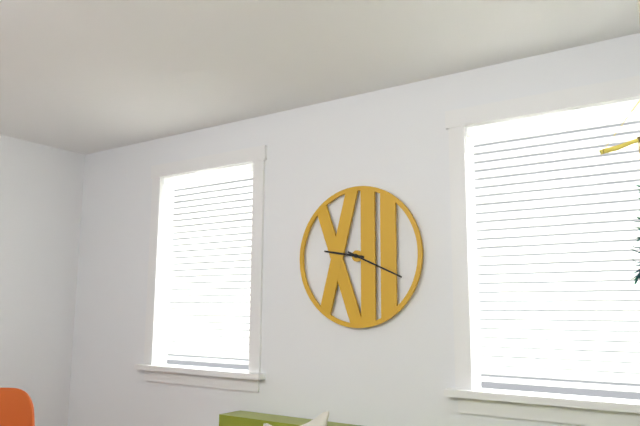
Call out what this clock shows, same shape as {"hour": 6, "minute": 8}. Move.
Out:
{"hour": 9, "minute": 19}
